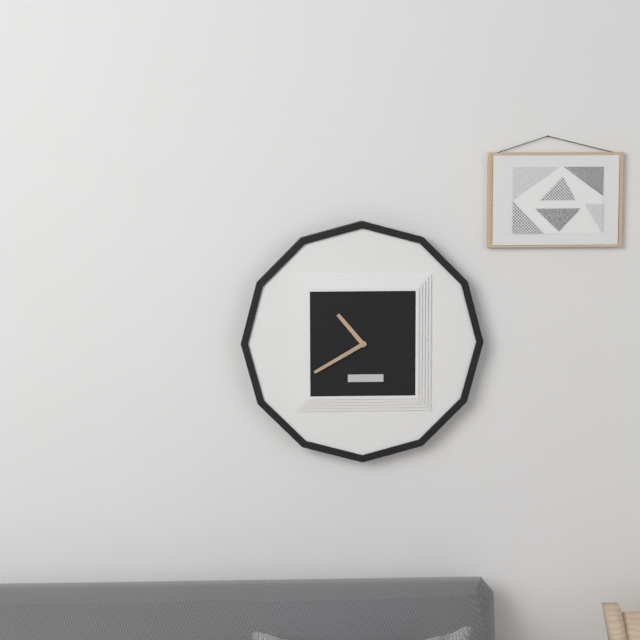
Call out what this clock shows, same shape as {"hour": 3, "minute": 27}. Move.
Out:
{"hour": 10, "minute": 40}
